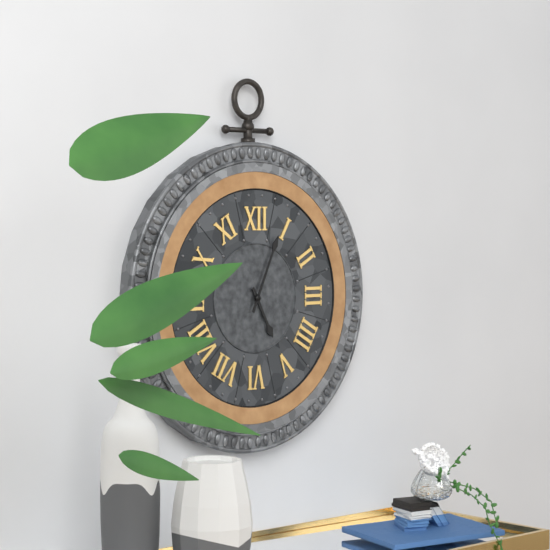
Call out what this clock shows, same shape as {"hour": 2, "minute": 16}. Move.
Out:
{"hour": 5, "minute": 4}
